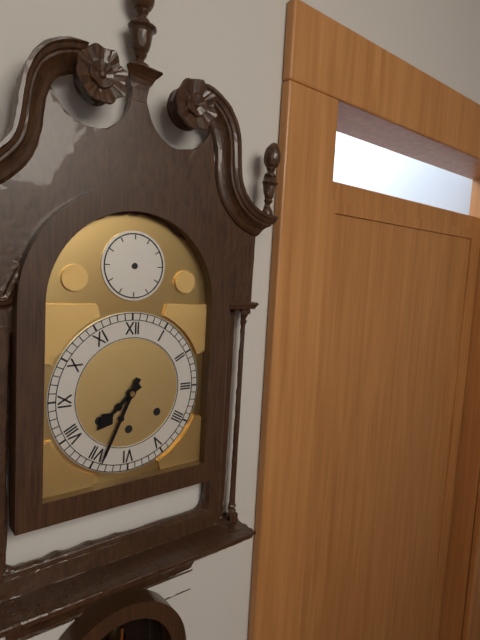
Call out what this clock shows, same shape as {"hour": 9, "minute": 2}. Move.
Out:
{"hour": 7, "minute": 34}
